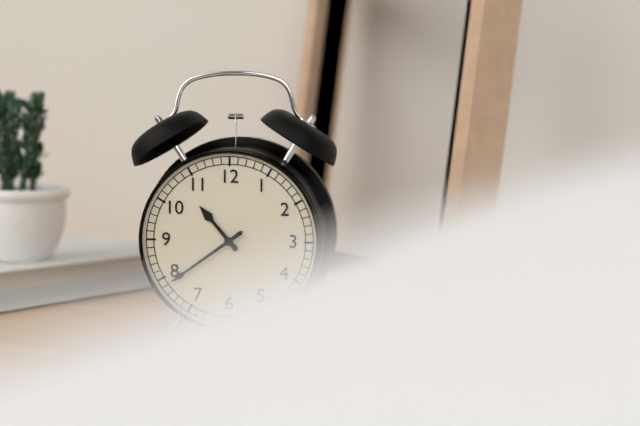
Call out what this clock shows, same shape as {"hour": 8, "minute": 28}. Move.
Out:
{"hour": 10, "minute": 39}
